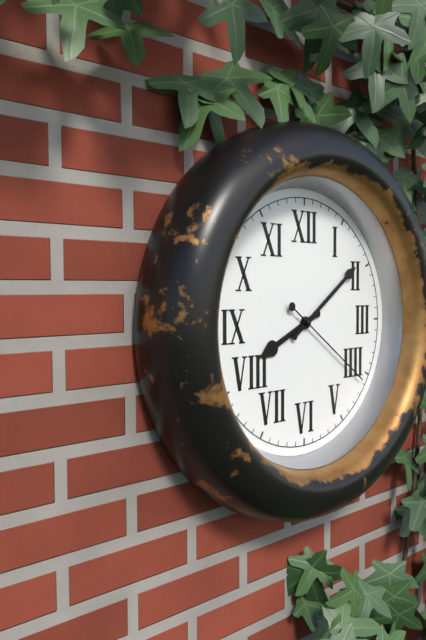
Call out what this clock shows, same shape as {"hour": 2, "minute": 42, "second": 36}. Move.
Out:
{"hour": 8, "minute": 9, "second": 21}
